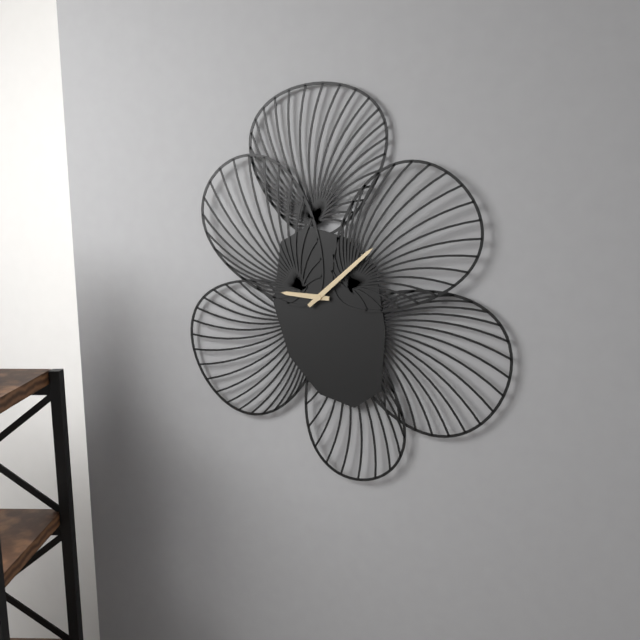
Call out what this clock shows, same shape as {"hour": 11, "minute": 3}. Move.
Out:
{"hour": 9, "minute": 8}
